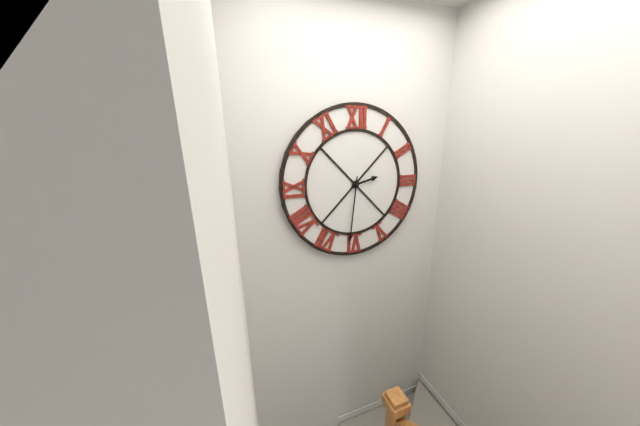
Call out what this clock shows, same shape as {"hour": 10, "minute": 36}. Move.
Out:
{"hour": 2, "minute": 31}
